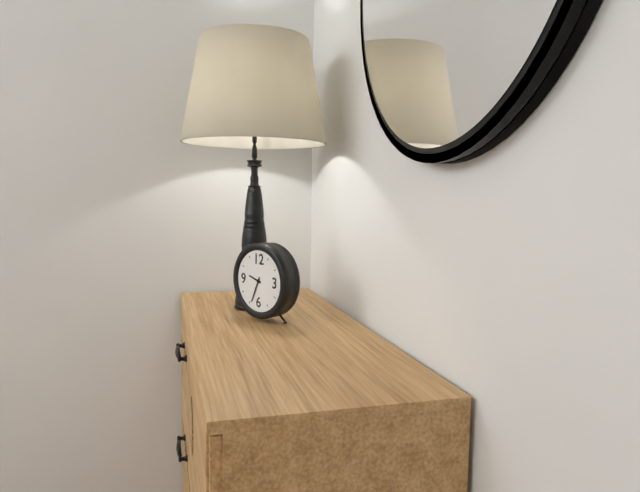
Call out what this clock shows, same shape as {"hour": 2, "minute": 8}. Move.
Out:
{"hour": 9, "minute": 34}
